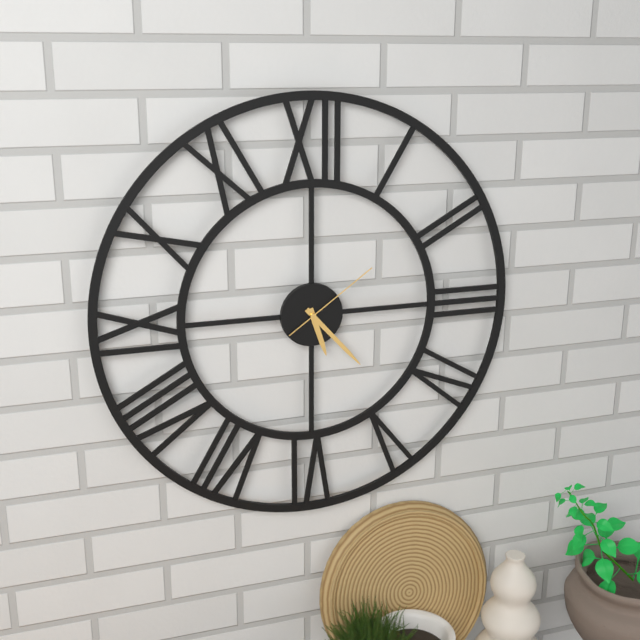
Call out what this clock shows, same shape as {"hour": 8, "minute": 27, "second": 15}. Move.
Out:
{"hour": 5, "minute": 23, "second": 9}
